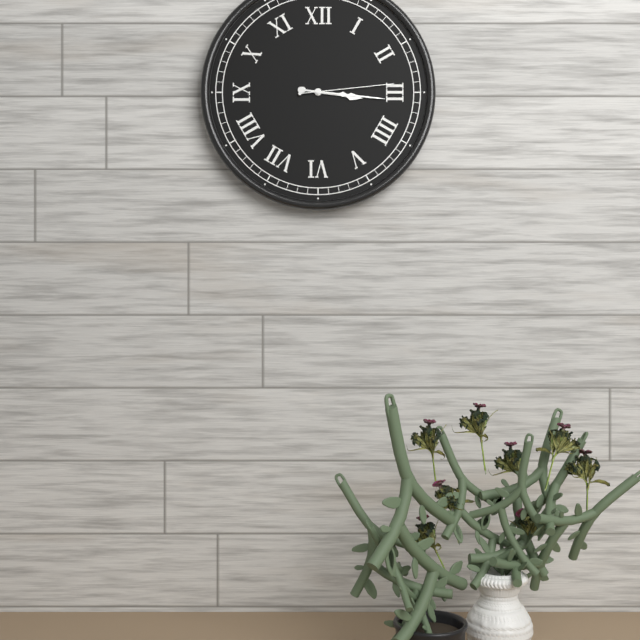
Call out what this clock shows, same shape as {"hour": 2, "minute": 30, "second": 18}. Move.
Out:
{"hour": 3, "minute": 16, "second": 14}
